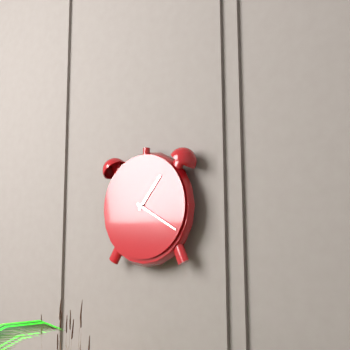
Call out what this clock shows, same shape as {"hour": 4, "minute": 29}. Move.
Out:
{"hour": 1, "minute": 20}
